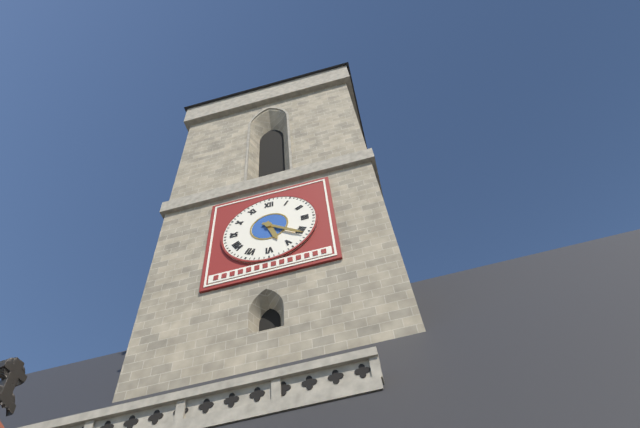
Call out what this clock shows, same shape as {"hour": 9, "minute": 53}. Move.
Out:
{"hour": 5, "minute": 21}
